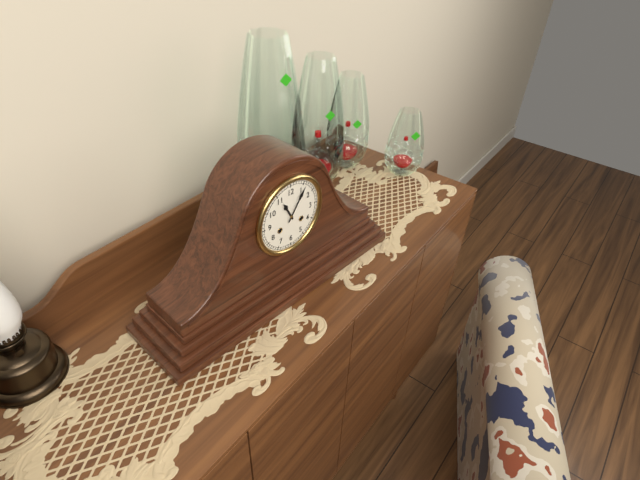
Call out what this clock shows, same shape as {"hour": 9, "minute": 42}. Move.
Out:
{"hour": 11, "minute": 6}
